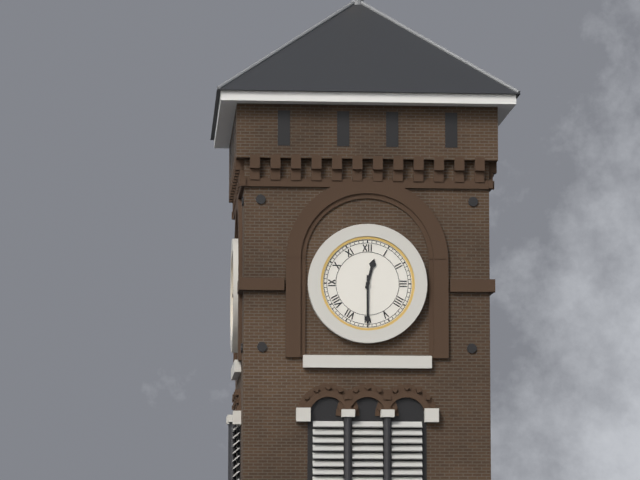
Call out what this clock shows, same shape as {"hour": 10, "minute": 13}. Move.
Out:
{"hour": 12, "minute": 30}
